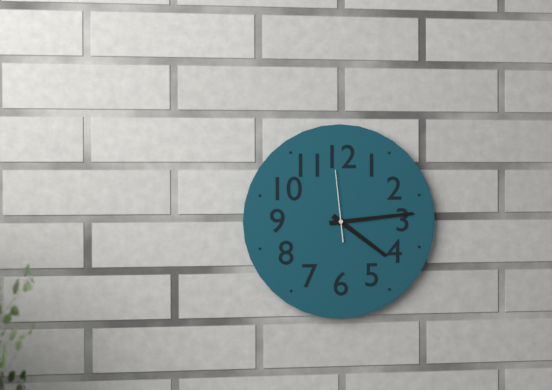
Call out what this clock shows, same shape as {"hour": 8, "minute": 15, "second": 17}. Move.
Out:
{"hour": 4, "minute": 14, "second": 59}
